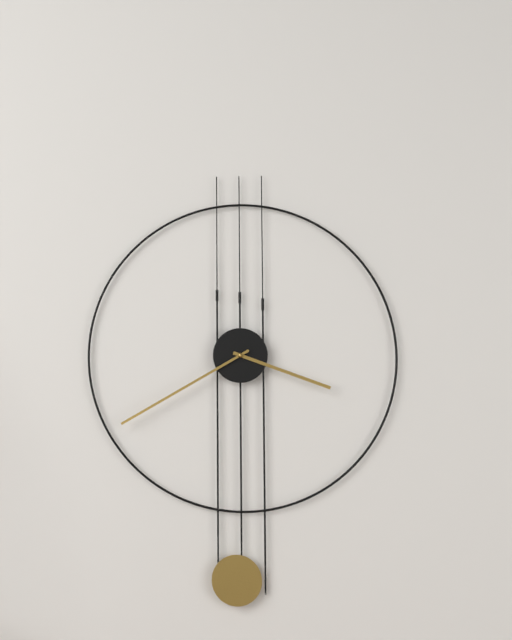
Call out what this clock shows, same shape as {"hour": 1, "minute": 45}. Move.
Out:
{"hour": 3, "minute": 40}
